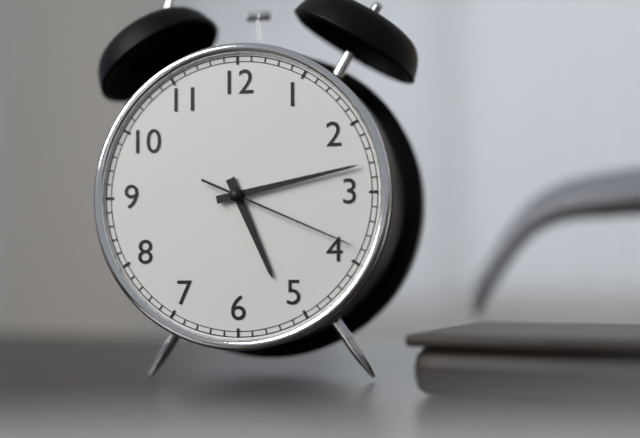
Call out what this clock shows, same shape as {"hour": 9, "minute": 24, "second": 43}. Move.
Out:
{"hour": 5, "minute": 13, "second": 19}
